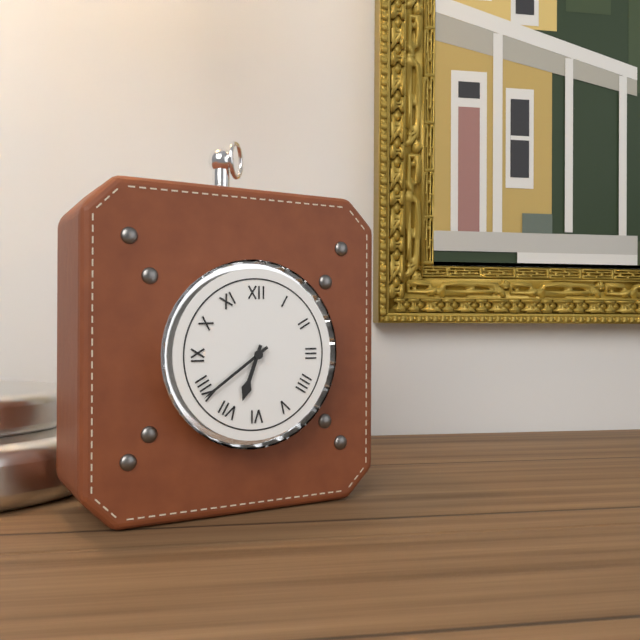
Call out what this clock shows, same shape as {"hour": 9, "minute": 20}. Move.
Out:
{"hour": 6, "minute": 39}
